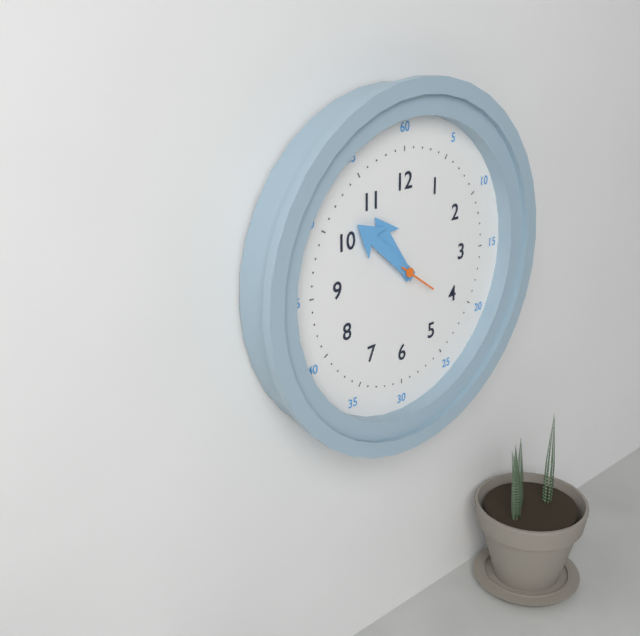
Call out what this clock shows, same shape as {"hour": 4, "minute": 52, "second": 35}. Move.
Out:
{"hour": 10, "minute": 52, "second": 21}
